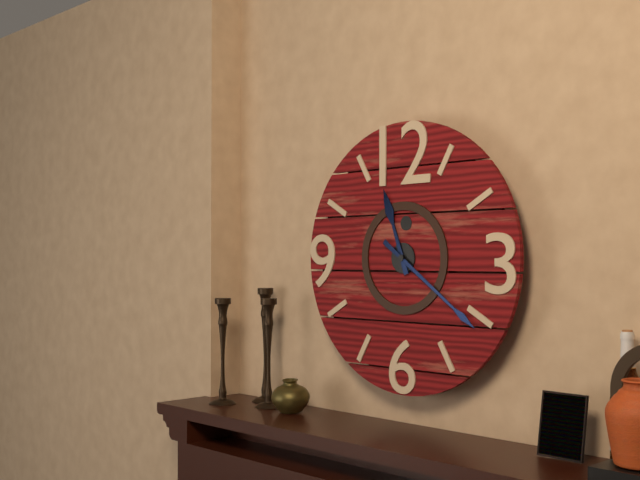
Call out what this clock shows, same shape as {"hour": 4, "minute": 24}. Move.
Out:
{"hour": 11, "minute": 21}
